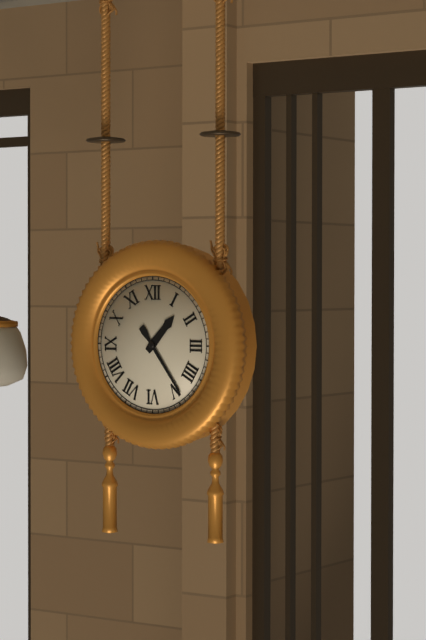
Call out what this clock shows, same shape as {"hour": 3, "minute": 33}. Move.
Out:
{"hour": 1, "minute": 24}
